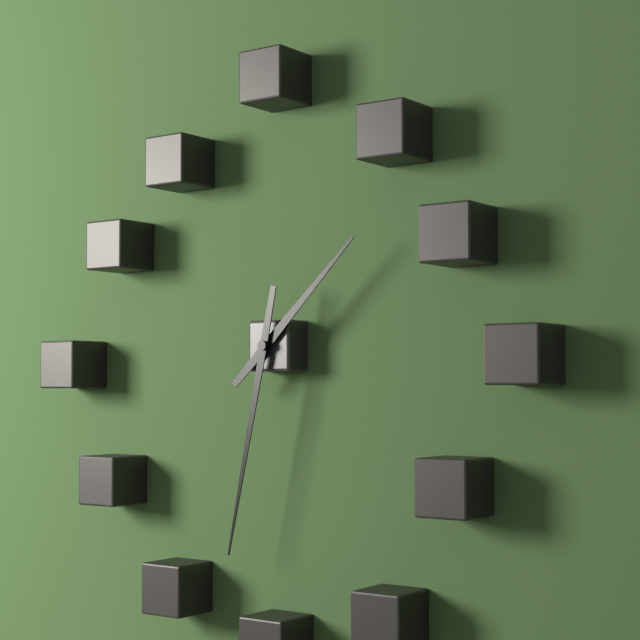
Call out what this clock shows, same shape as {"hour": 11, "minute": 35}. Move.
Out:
{"hour": 1, "minute": 32}
